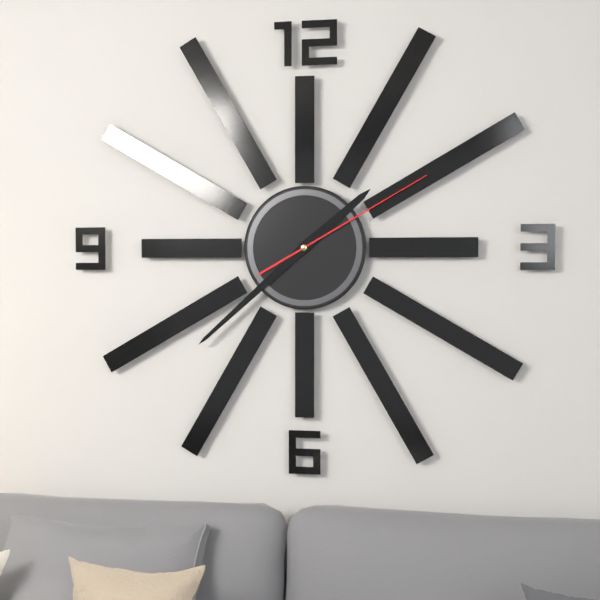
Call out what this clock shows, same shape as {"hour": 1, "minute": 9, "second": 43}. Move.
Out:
{"hour": 1, "minute": 38, "second": 10}
